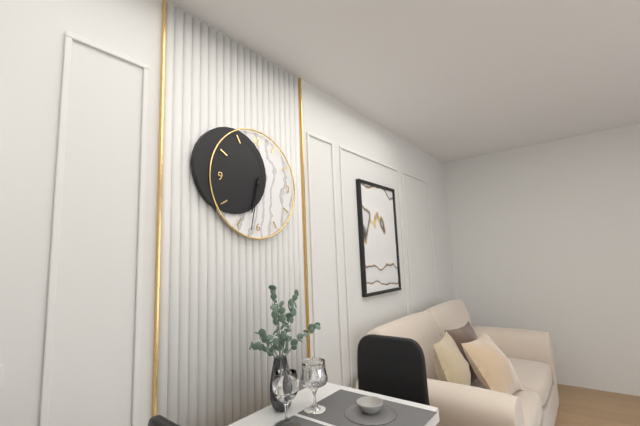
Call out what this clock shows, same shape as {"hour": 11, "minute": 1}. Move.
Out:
{"hour": 6, "minute": 32}
